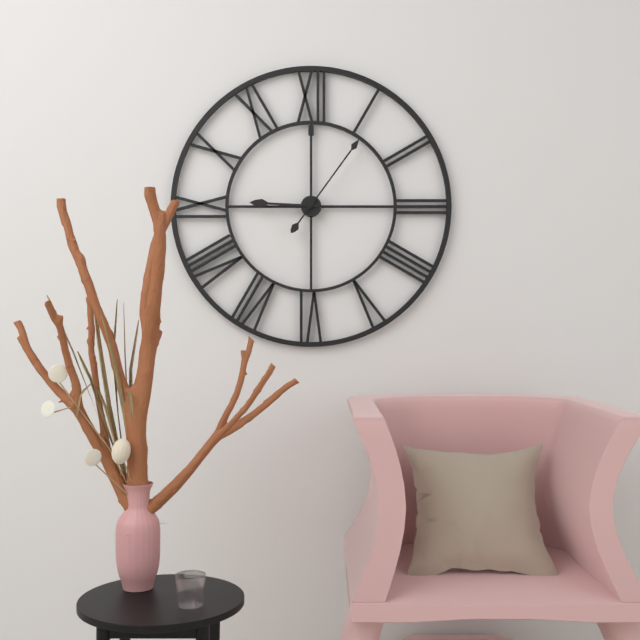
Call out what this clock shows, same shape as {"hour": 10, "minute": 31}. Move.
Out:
{"hour": 9, "minute": 6}
